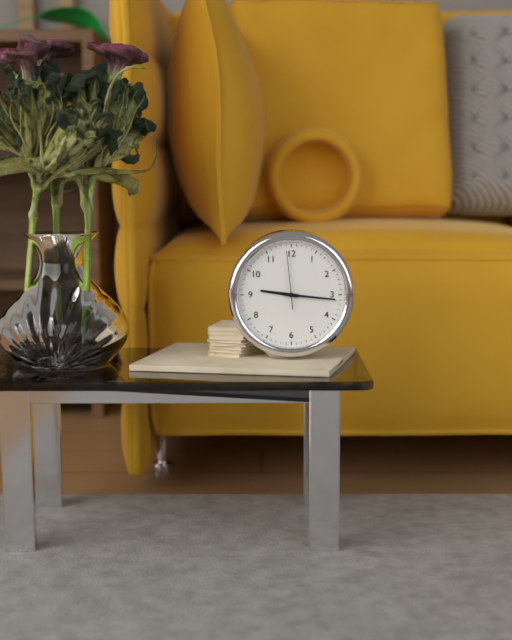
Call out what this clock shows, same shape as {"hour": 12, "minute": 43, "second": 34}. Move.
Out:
{"hour": 9, "minute": 16, "second": 59}
